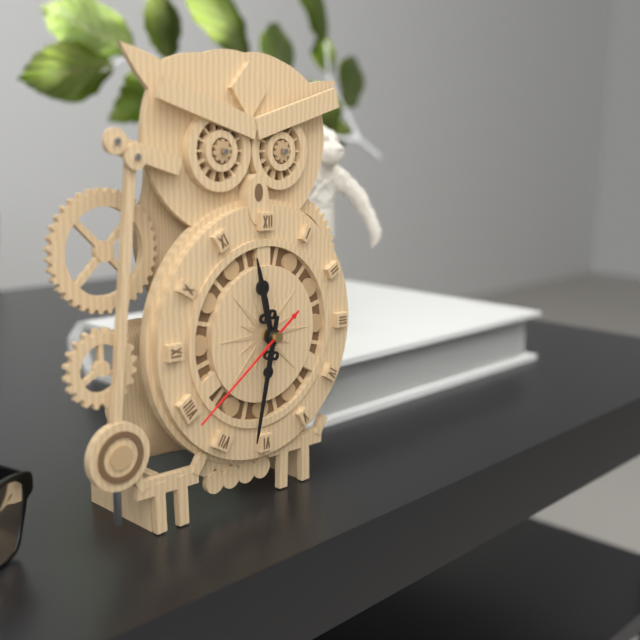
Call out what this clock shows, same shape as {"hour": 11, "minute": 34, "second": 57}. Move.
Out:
{"hour": 11, "minute": 32, "second": 39}
